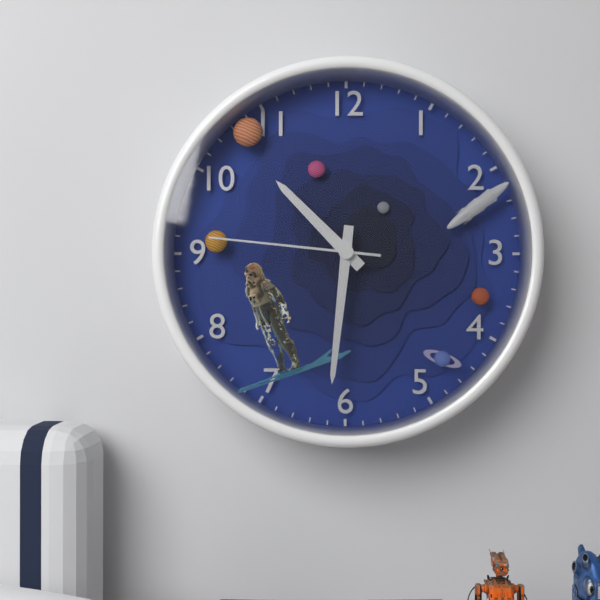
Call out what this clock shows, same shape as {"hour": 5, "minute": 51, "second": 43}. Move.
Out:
{"hour": 10, "minute": 31, "second": 46}
